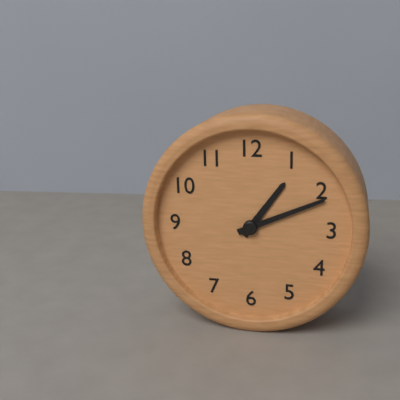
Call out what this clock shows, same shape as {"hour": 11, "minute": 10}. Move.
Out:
{"hour": 1, "minute": 11}
